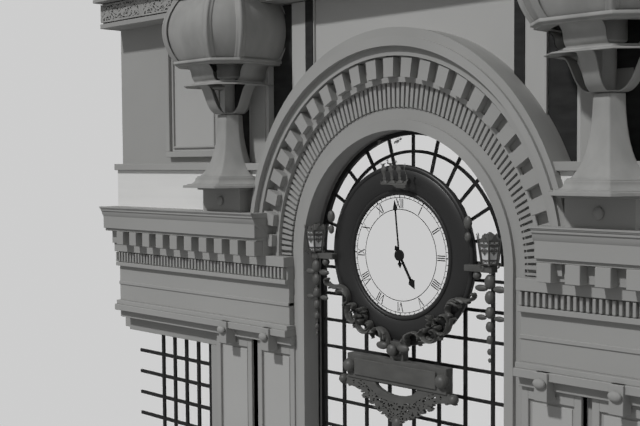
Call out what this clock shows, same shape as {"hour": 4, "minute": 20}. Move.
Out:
{"hour": 4, "minute": 59}
